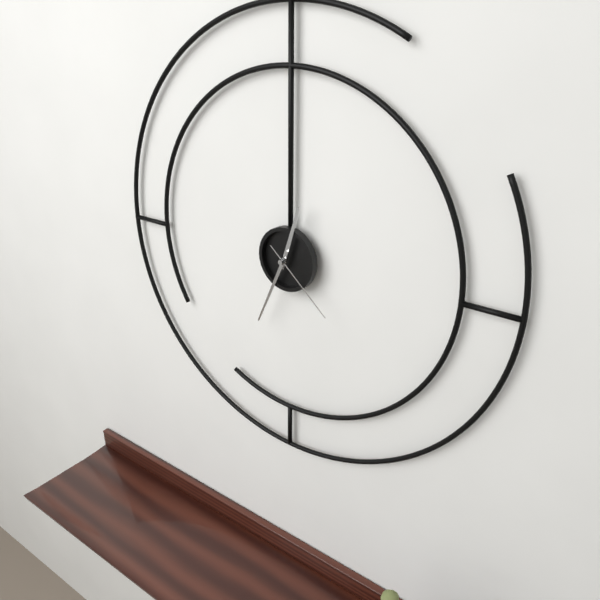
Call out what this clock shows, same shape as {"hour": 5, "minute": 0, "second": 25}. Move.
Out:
{"hour": 12, "minute": 34, "second": 22}
